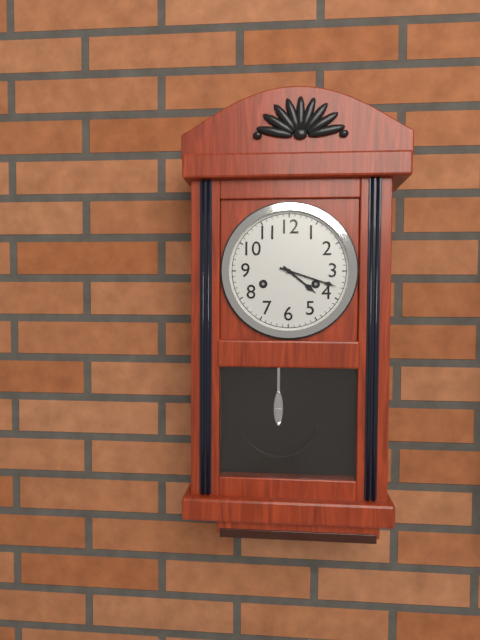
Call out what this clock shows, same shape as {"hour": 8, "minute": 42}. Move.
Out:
{"hour": 4, "minute": 18}
